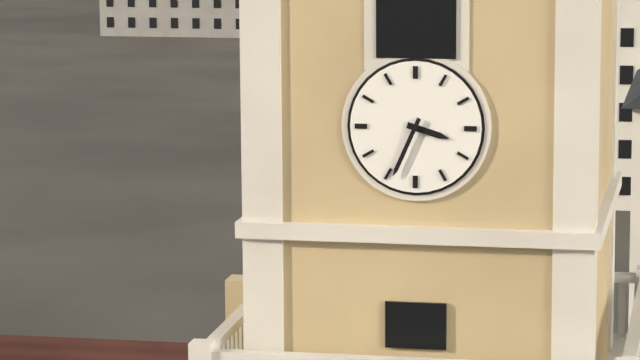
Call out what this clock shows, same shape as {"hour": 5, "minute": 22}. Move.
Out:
{"hour": 3, "minute": 34}
